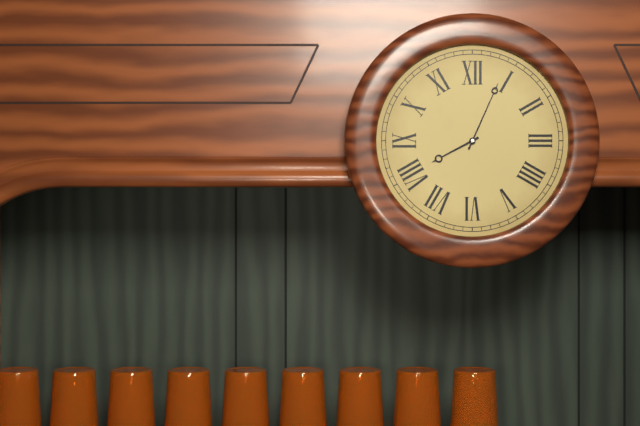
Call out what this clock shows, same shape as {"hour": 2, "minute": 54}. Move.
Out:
{"hour": 8, "minute": 4}
